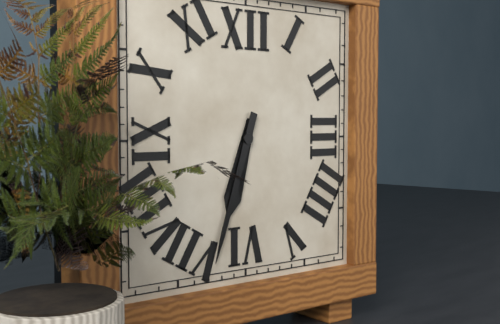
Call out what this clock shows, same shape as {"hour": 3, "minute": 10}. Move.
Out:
{"hour": 6, "minute": 33}
